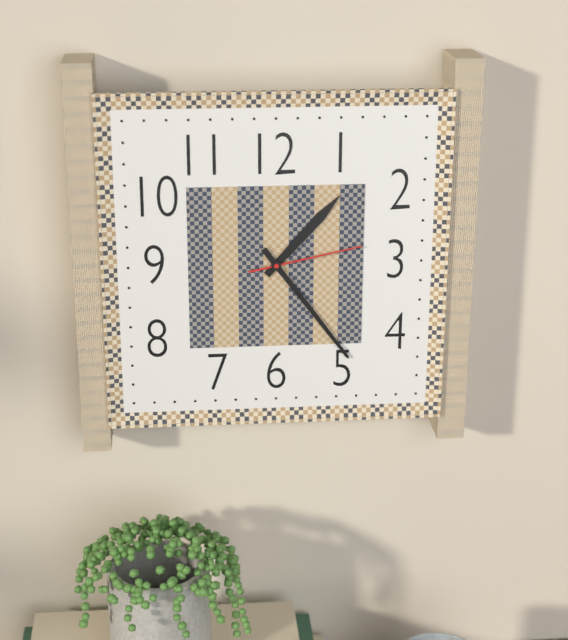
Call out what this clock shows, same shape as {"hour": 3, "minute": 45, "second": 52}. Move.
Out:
{"hour": 1, "minute": 24, "second": 13}
